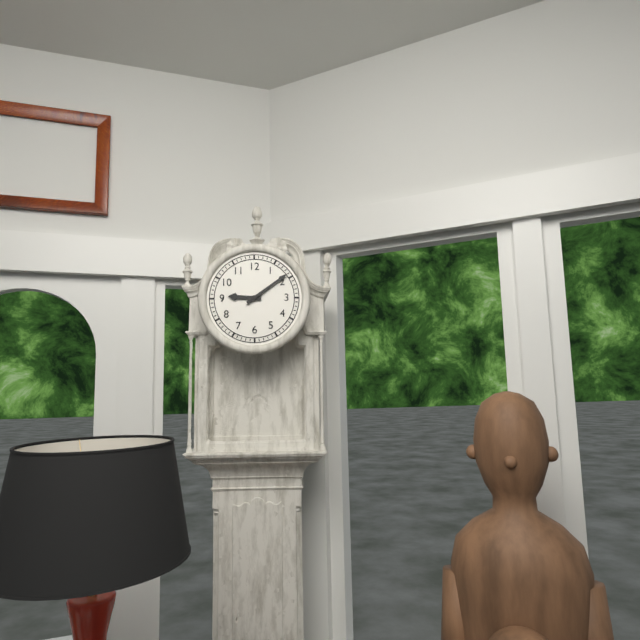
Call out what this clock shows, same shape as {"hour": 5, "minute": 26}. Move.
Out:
{"hour": 9, "minute": 9}
